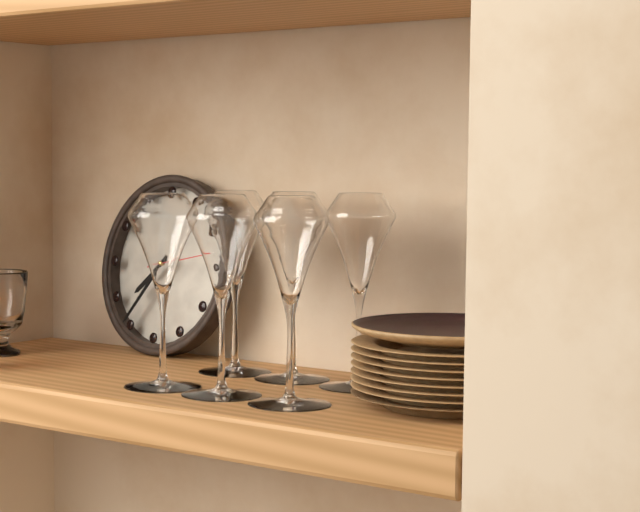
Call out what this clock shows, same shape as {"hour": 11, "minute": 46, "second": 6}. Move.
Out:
{"hour": 7, "minute": 36, "second": 13}
